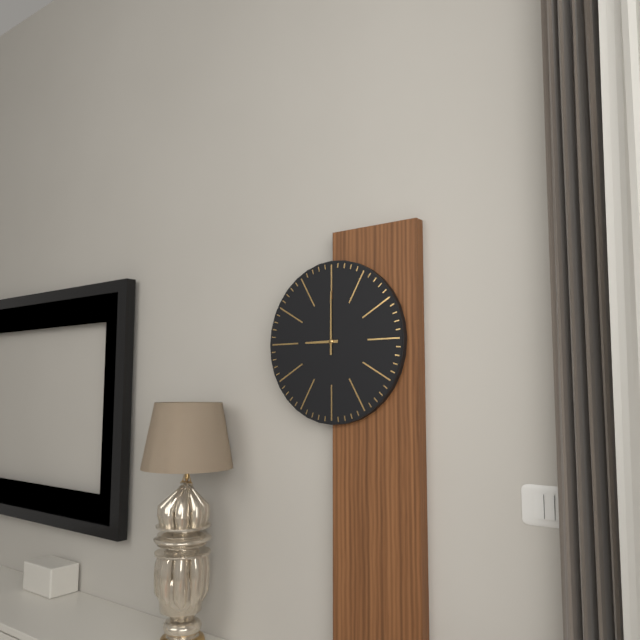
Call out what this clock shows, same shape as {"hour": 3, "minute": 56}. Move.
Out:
{"hour": 9, "minute": 0}
